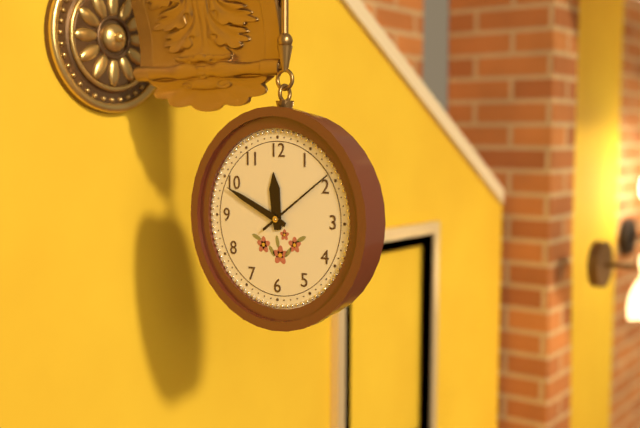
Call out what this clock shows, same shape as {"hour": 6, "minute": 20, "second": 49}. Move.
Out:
{"hour": 11, "minute": 49, "second": 9}
